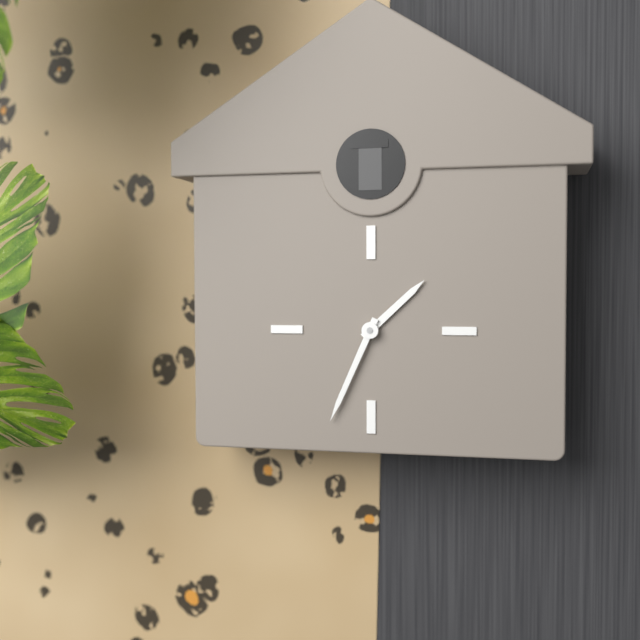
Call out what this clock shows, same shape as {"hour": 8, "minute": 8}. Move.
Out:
{"hour": 1, "minute": 34}
